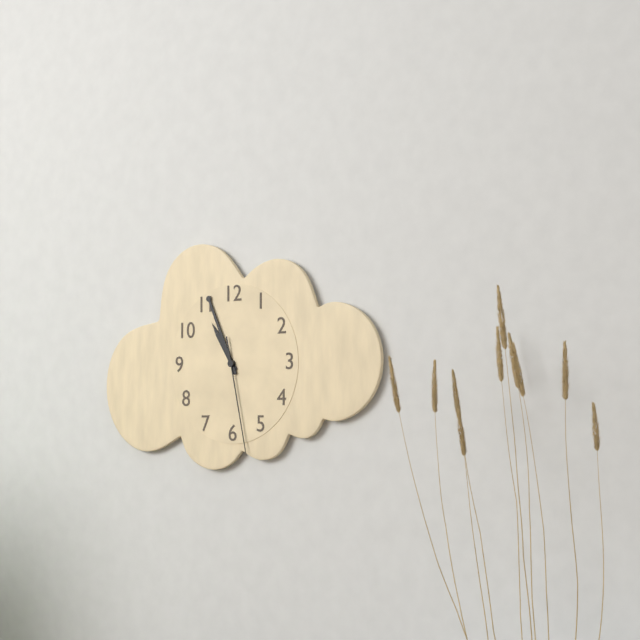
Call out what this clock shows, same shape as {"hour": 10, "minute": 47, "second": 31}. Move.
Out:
{"hour": 10, "minute": 56, "second": 28}
